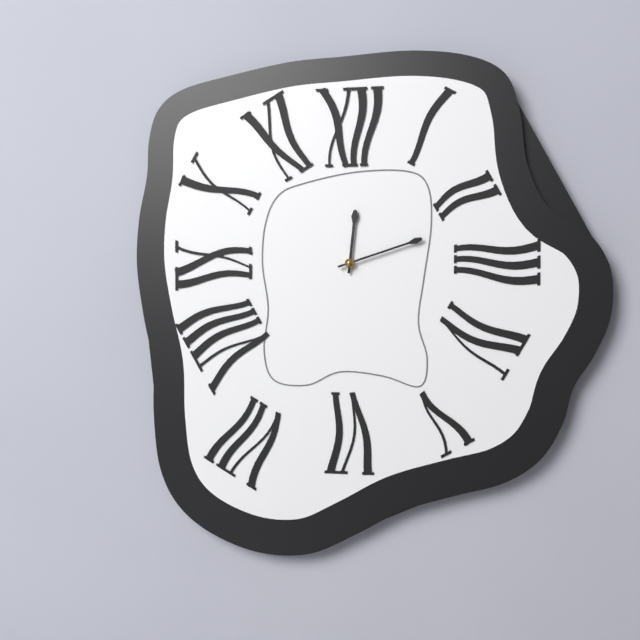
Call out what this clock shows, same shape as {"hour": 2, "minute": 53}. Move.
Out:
{"hour": 12, "minute": 12}
